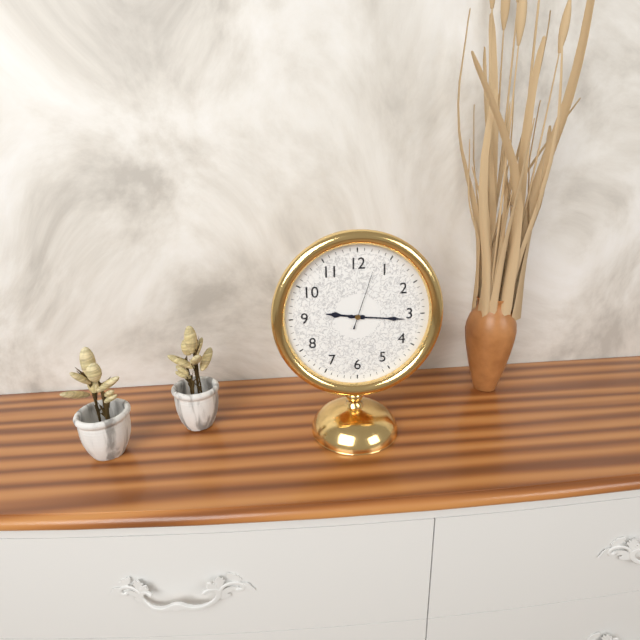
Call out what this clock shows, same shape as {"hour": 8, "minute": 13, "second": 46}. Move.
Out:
{"hour": 9, "minute": 16, "second": 3}
